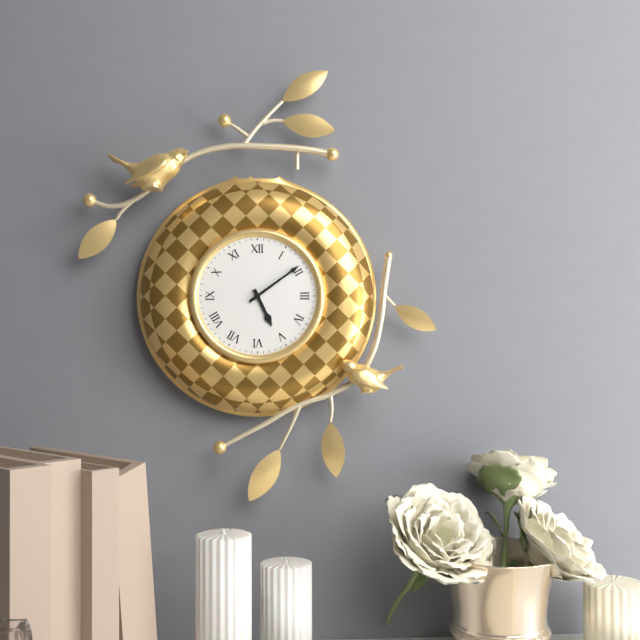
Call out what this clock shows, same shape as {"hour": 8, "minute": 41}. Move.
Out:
{"hour": 5, "minute": 9}
